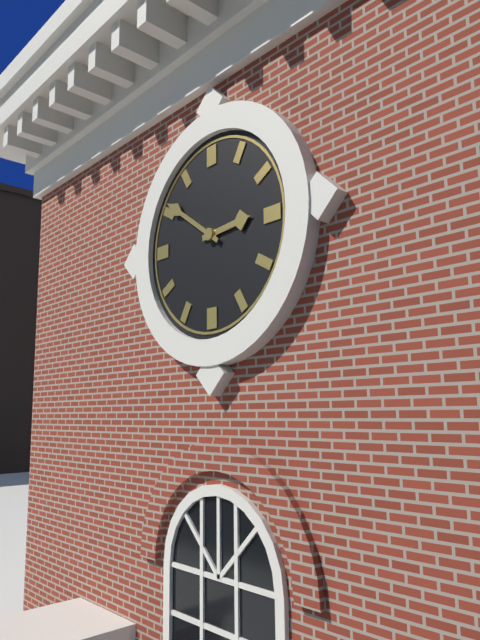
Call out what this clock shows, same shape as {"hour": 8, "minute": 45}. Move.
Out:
{"hour": 2, "minute": 51}
